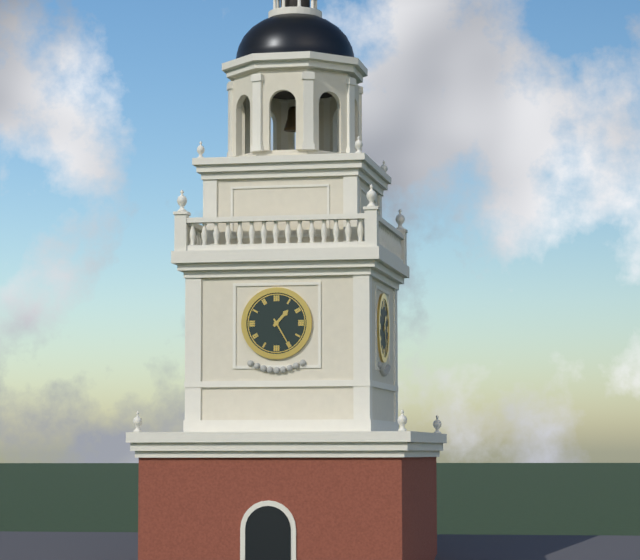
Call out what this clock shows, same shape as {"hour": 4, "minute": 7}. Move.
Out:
{"hour": 1, "minute": 25}
